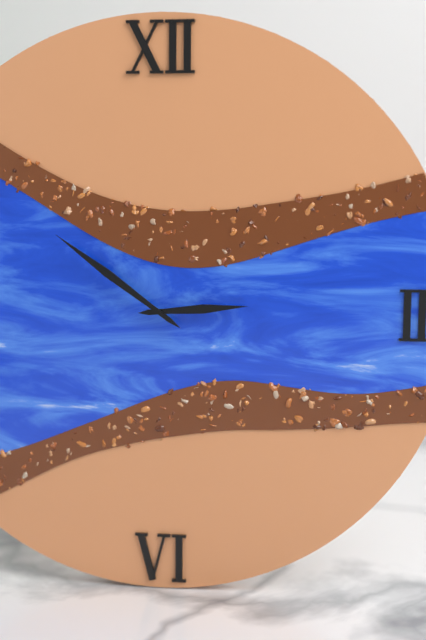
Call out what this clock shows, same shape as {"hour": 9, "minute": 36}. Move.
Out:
{"hour": 2, "minute": 51}
